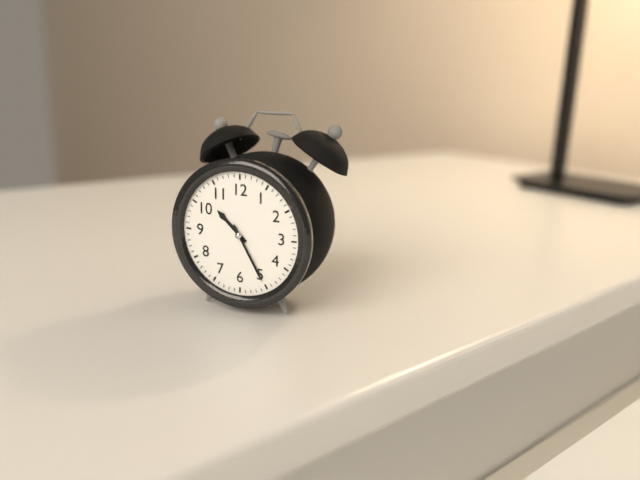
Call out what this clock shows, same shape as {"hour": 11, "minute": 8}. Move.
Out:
{"hour": 10, "minute": 25}
